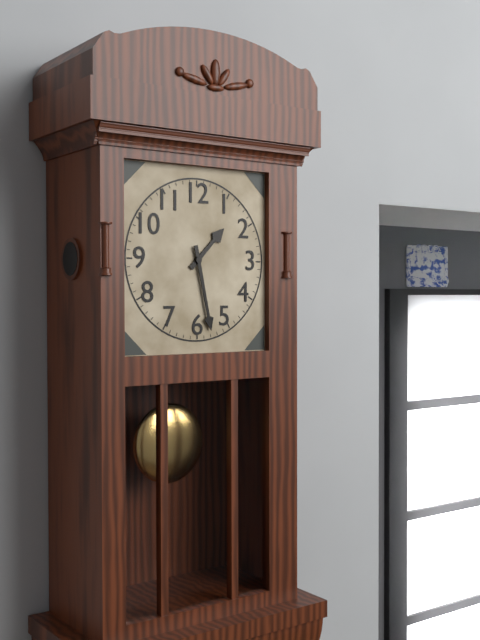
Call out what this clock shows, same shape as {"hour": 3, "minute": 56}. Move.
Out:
{"hour": 1, "minute": 28}
